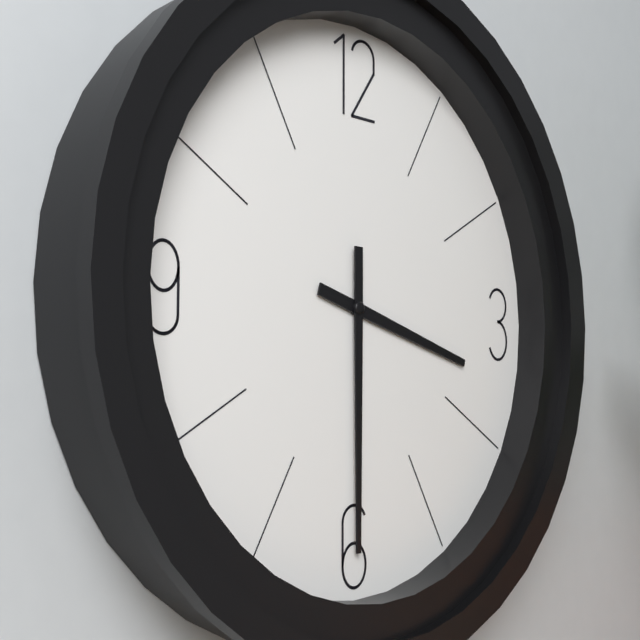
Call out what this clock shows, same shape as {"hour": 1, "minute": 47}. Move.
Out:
{"hour": 3, "minute": 30}
